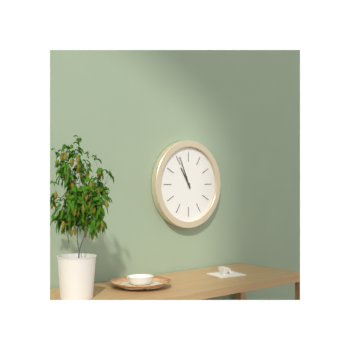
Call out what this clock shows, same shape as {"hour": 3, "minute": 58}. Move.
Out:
{"hour": 10, "minute": 56}
